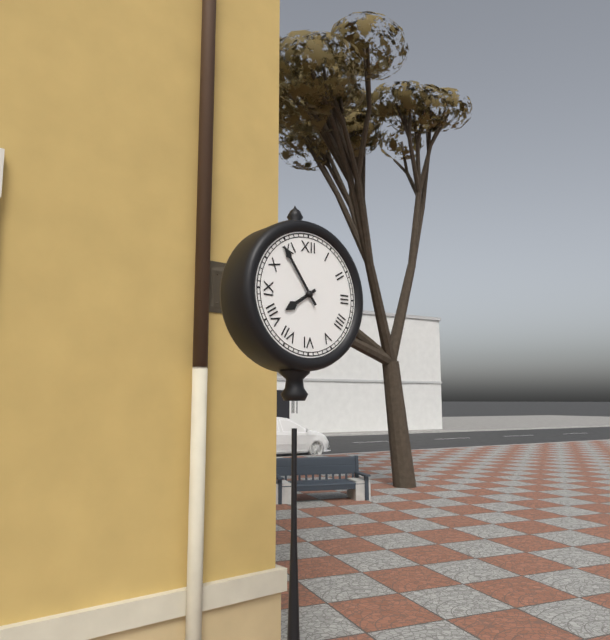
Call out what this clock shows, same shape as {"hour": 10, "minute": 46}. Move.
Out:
{"hour": 7, "minute": 54}
